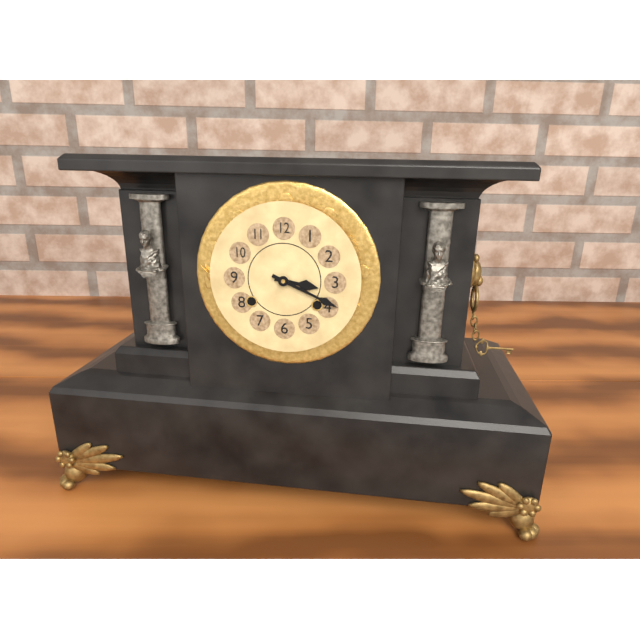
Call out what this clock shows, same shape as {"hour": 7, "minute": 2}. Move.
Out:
{"hour": 3, "minute": 19}
